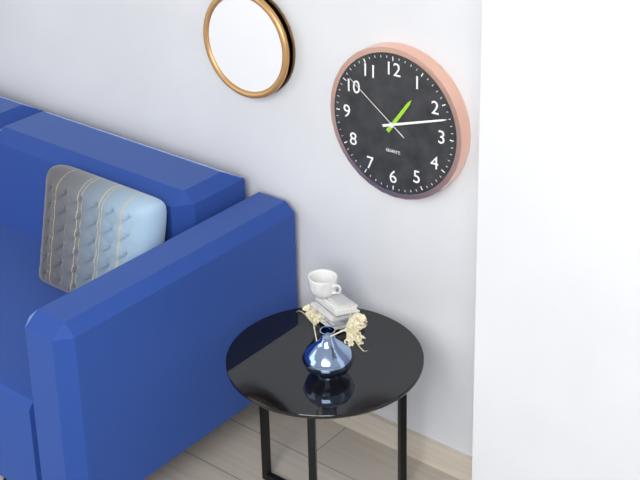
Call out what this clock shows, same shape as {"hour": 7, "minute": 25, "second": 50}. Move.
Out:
{"hour": 1, "minute": 12, "second": 51}
